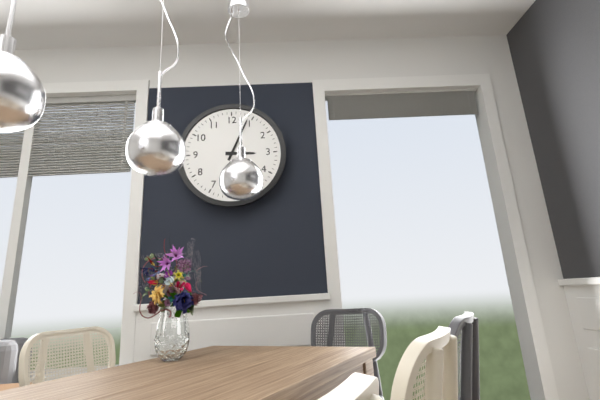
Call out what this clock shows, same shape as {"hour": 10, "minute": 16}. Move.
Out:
{"hour": 3, "minute": 4}
